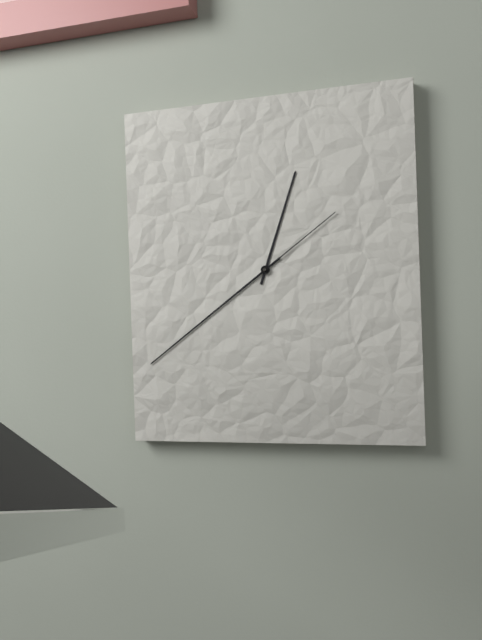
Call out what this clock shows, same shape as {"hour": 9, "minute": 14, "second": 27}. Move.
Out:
{"hour": 12, "minute": 39, "second": 9}
